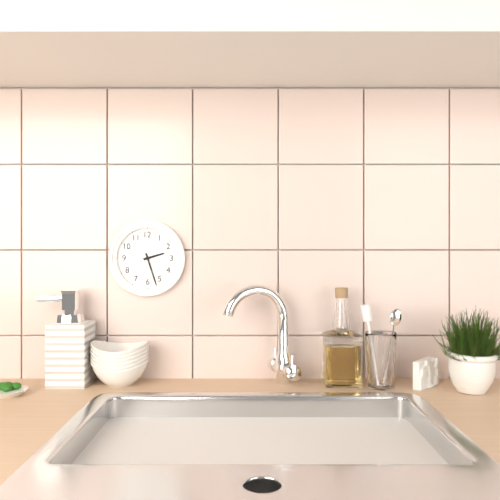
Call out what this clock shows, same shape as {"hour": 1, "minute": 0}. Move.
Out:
{"hour": 2, "minute": 27}
